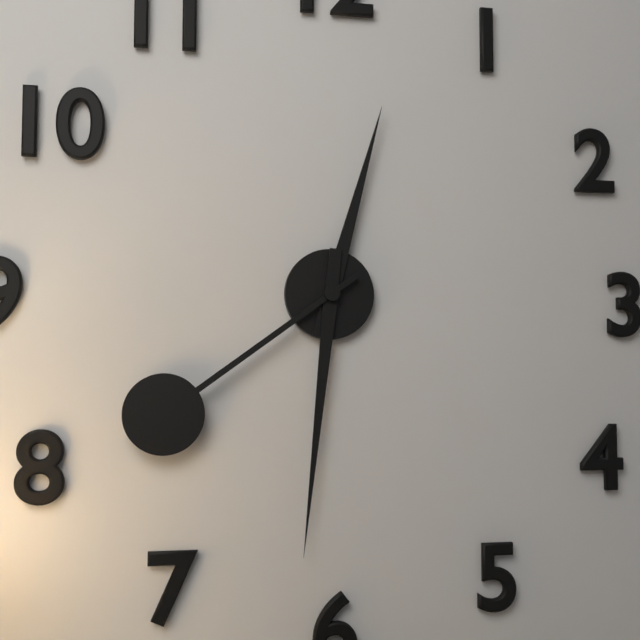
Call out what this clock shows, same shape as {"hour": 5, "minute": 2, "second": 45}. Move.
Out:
{"hour": 12, "minute": 31, "second": 39}
